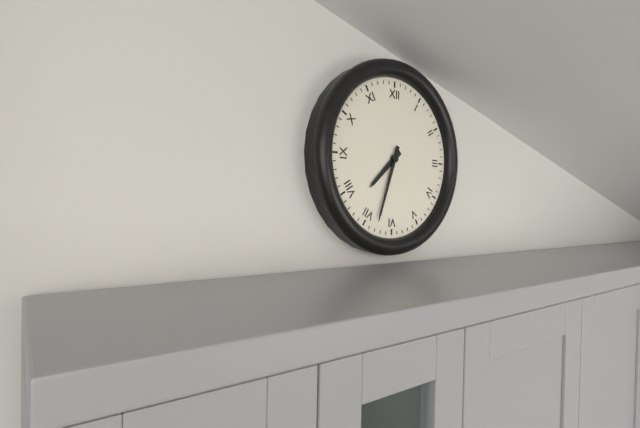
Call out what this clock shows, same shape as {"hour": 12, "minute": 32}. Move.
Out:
{"hour": 7, "minute": 33}
